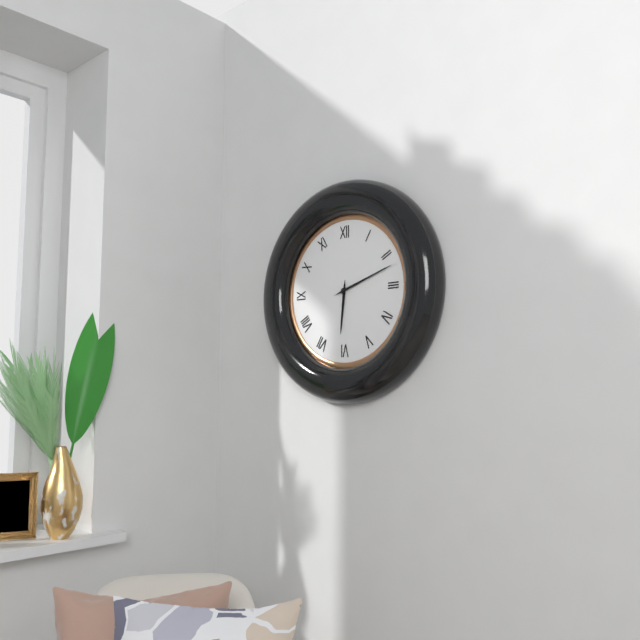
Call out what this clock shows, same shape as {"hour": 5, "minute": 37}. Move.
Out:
{"hour": 6, "minute": 12}
